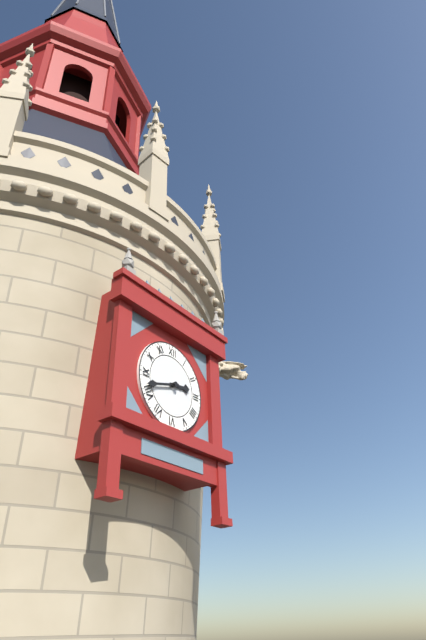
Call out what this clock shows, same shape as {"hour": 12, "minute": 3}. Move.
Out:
{"hour": 2, "minute": 42}
